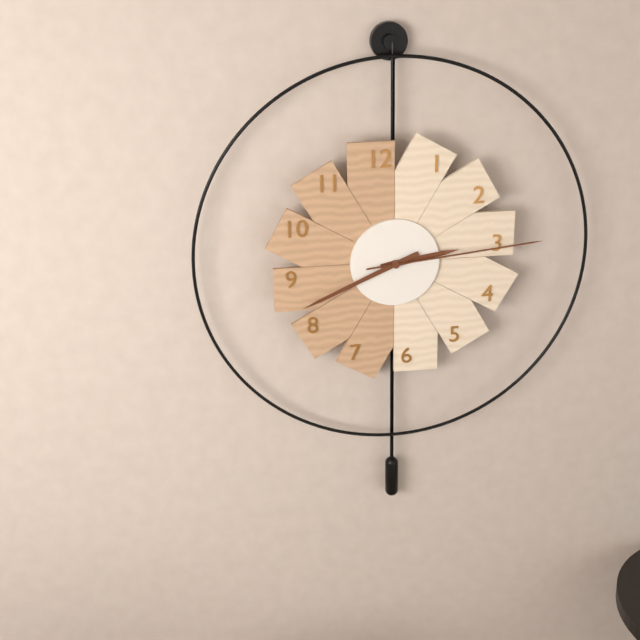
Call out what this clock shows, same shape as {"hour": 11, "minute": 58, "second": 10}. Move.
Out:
{"hour": 2, "minute": 41, "second": 14}
